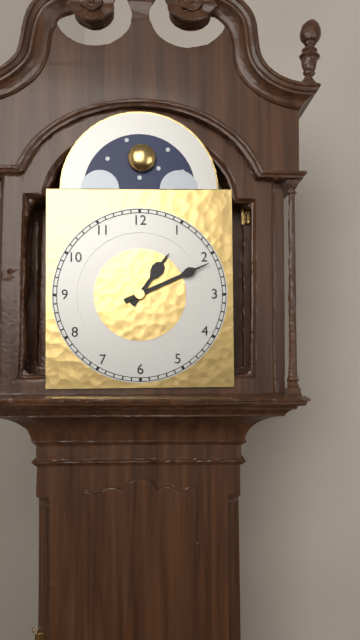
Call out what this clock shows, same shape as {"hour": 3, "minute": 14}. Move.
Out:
{"hour": 1, "minute": 11}
